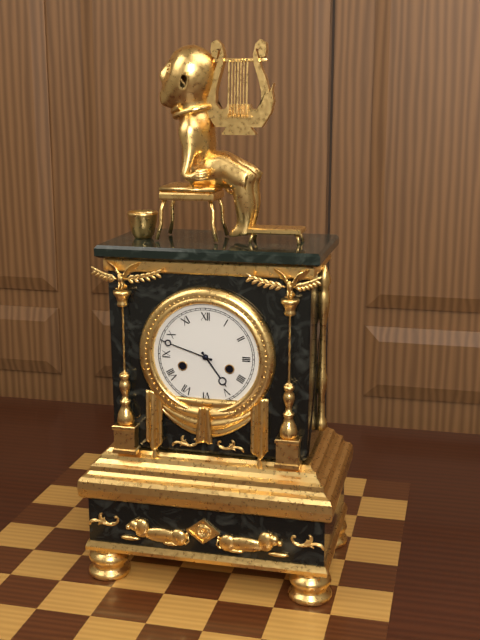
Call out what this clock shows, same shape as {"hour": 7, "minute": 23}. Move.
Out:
{"hour": 4, "minute": 48}
